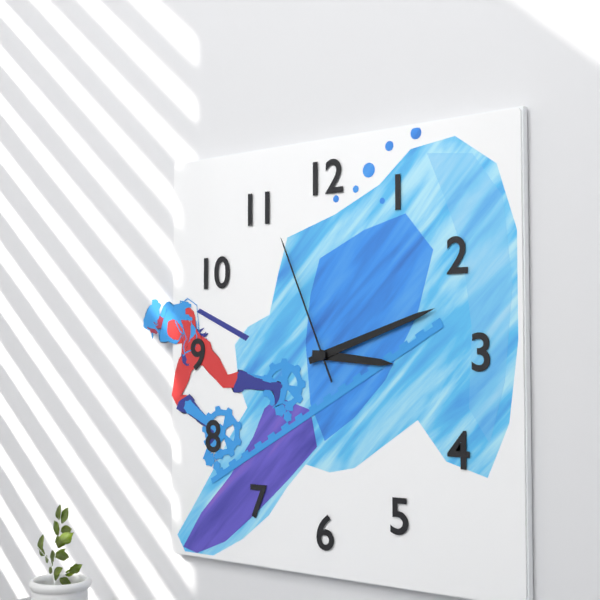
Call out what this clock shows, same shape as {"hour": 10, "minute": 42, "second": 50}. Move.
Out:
{"hour": 3, "minute": 12, "second": 56}
